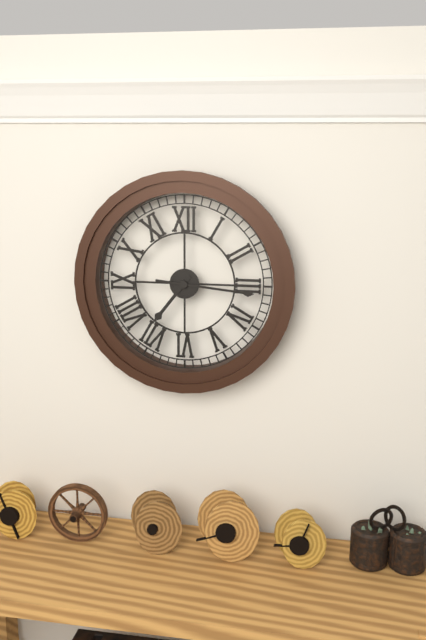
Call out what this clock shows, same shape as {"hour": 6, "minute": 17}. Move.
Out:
{"hour": 7, "minute": 16}
